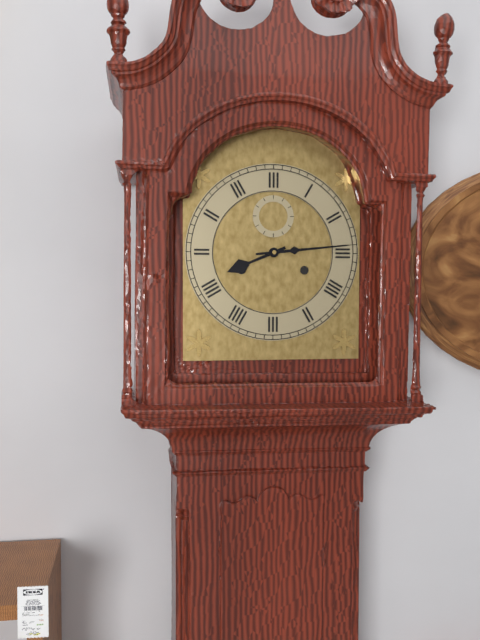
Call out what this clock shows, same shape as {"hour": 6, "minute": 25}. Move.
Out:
{"hour": 8, "minute": 14}
